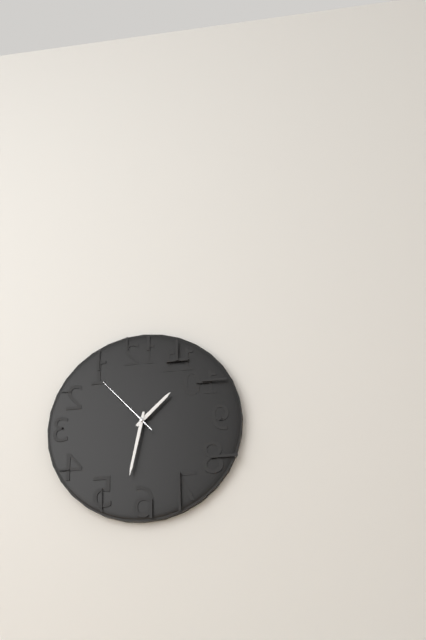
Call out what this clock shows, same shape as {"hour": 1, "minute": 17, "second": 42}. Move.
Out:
{"hour": 1, "minute": 32, "second": 53}
